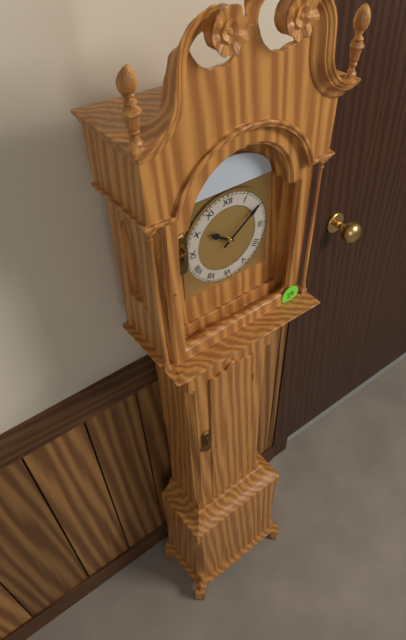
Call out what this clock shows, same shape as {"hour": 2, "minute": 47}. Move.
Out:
{"hour": 10, "minute": 9}
